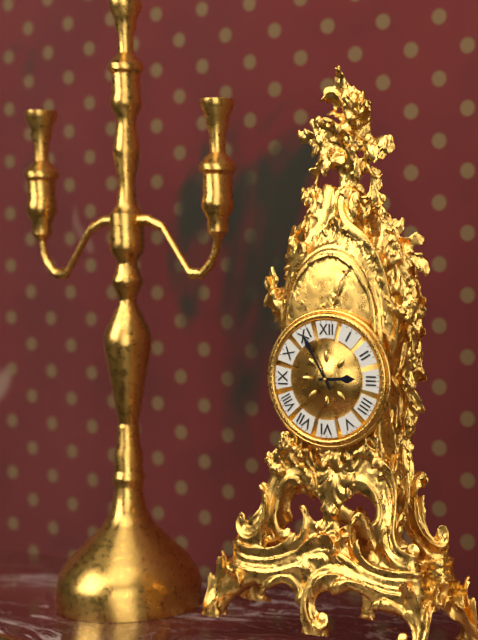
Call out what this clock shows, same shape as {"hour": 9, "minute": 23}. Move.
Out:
{"hour": 2, "minute": 55}
